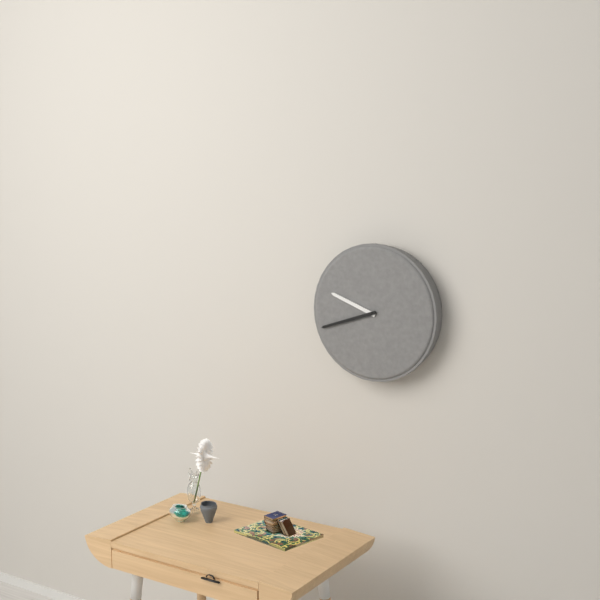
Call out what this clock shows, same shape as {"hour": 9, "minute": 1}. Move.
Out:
{"hour": 9, "minute": 42}
